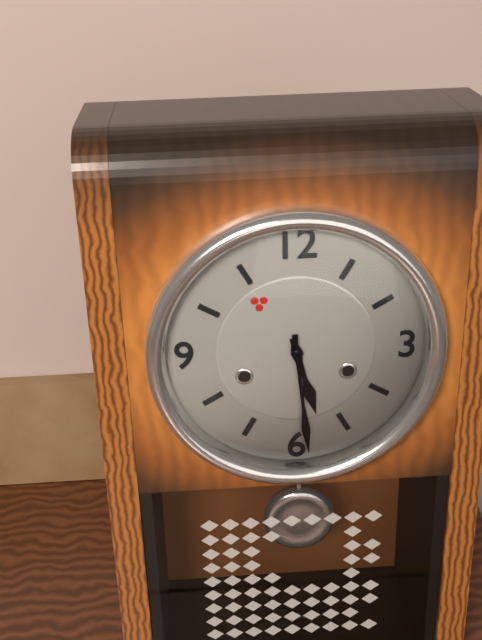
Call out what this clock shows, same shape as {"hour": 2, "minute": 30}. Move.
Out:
{"hour": 5, "minute": 29}
